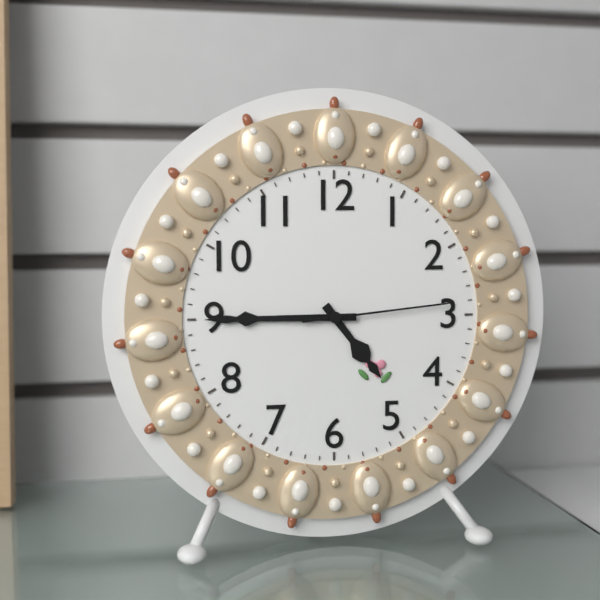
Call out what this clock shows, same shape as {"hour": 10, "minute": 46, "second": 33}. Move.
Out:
{"hour": 4, "minute": 45, "second": 14}
